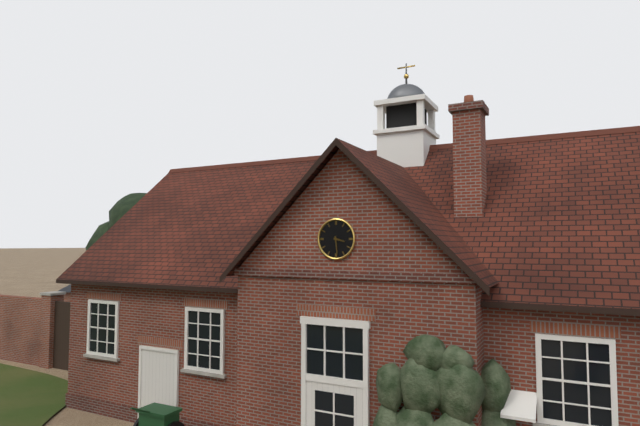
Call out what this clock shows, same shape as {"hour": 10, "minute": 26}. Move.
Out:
{"hour": 3, "minute": 29}
